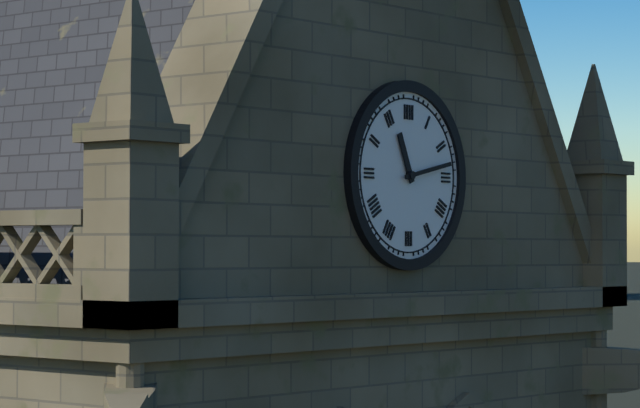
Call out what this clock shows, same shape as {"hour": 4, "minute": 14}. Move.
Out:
{"hour": 11, "minute": 13}
